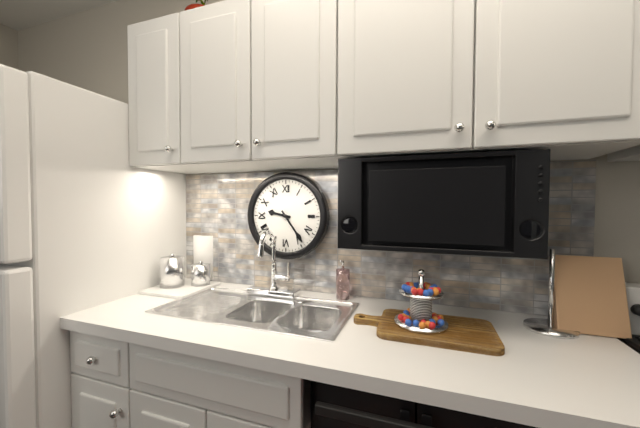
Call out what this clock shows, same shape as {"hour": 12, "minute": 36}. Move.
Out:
{"hour": 9, "minute": 24}
